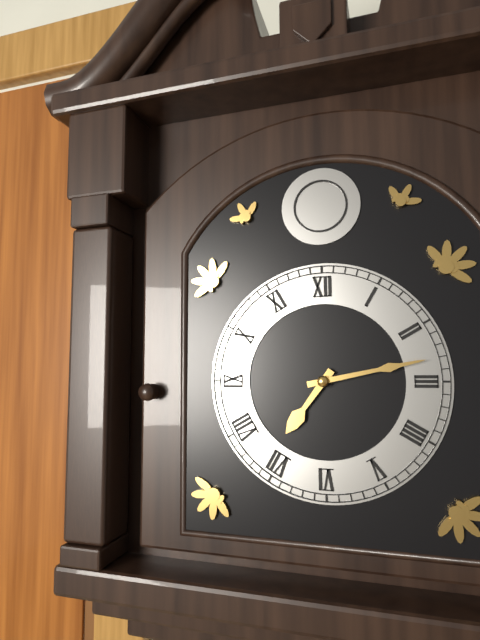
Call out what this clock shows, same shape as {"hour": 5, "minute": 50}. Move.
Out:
{"hour": 7, "minute": 13}
